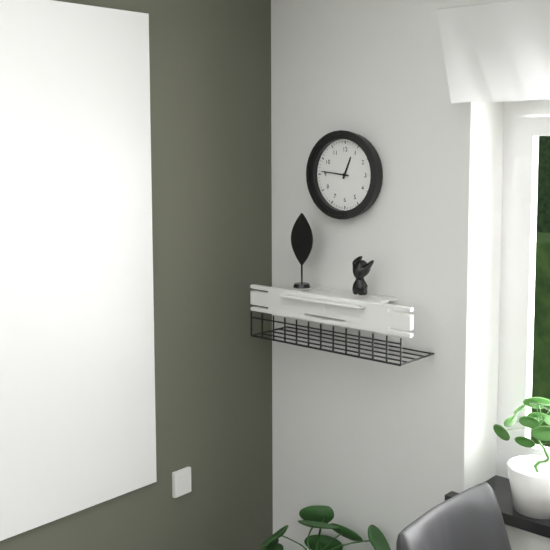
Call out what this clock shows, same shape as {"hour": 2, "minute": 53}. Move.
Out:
{"hour": 12, "minute": 46}
